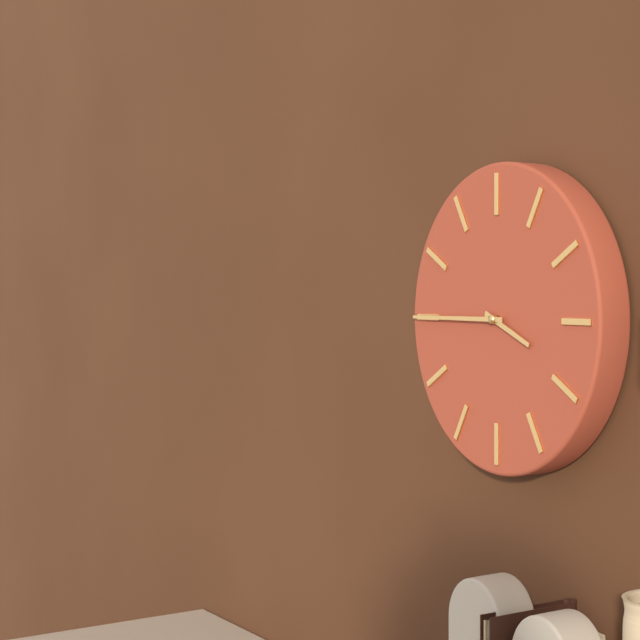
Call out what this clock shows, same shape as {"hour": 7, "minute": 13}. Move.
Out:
{"hour": 3, "minute": 45}
